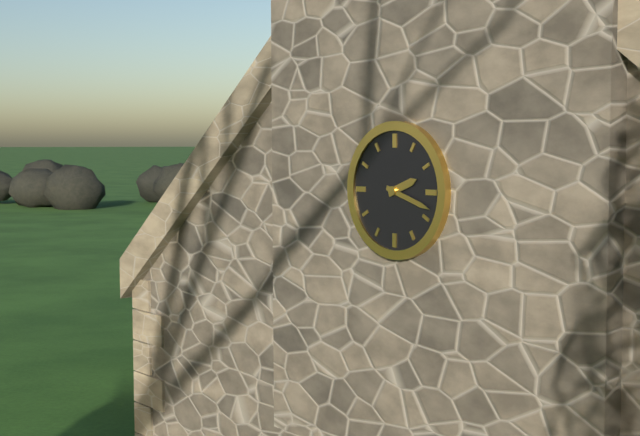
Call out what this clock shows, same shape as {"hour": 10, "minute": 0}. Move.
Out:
{"hour": 2, "minute": 18}
